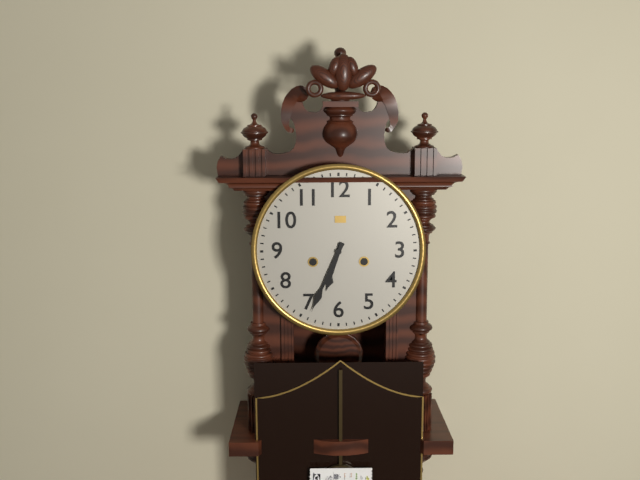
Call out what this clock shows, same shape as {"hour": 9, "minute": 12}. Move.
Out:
{"hour": 6, "minute": 34}
